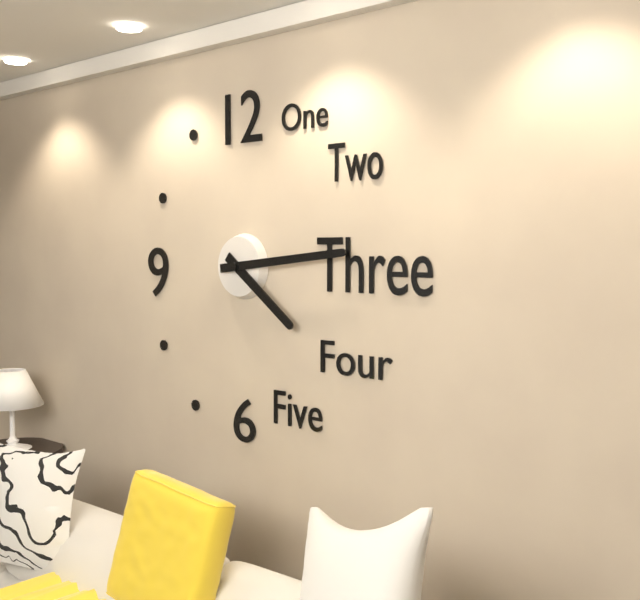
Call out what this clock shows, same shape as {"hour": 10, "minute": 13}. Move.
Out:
{"hour": 4, "minute": 14}
